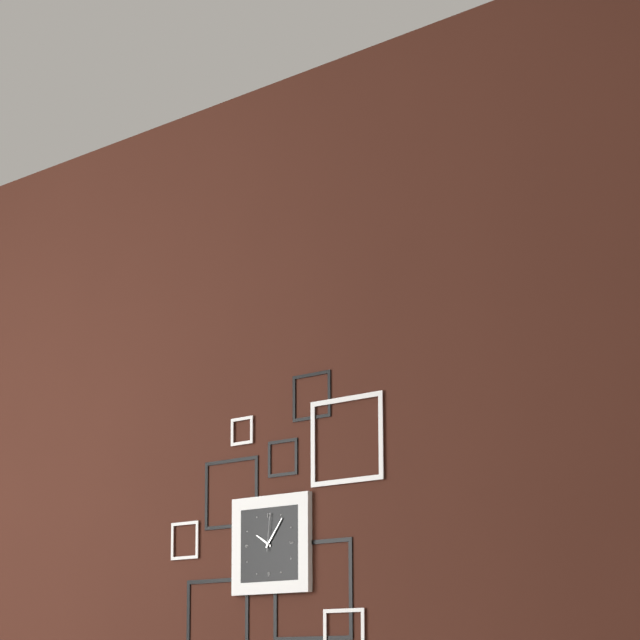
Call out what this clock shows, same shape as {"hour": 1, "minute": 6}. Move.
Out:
{"hour": 10, "minute": 6}
